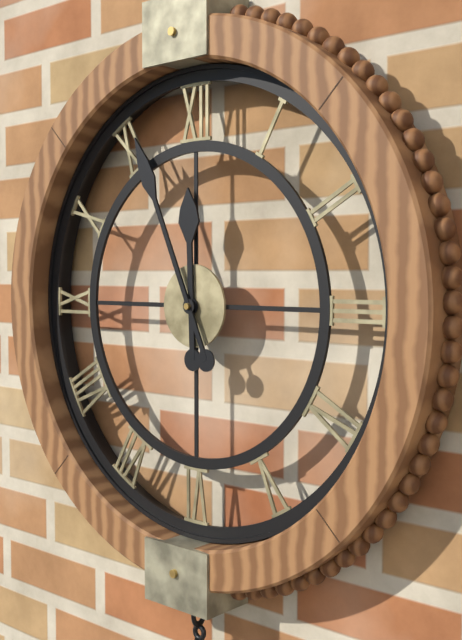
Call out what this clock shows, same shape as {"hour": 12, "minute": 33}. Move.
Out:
{"hour": 11, "minute": 56}
